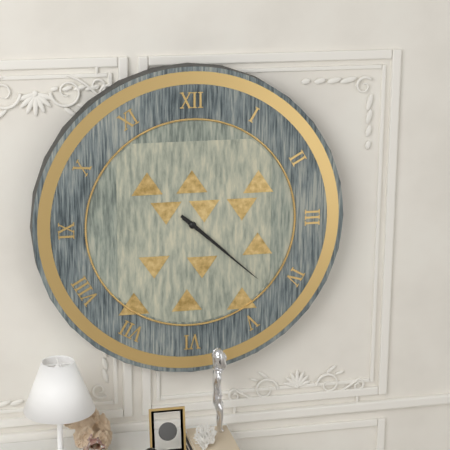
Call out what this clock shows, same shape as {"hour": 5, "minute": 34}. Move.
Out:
{"hour": 4, "minute": 22}
